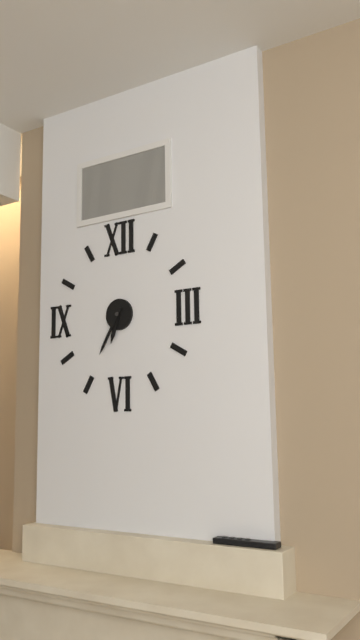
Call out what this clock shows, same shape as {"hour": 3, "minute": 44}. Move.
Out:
{"hour": 6, "minute": 35}
